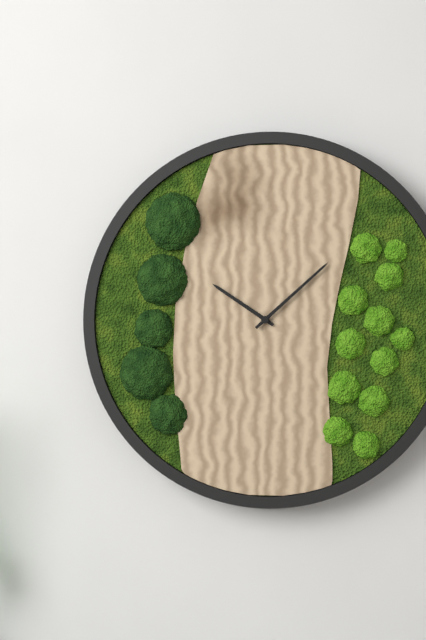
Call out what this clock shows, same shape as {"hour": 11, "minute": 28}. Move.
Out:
{"hour": 10, "minute": 8}
